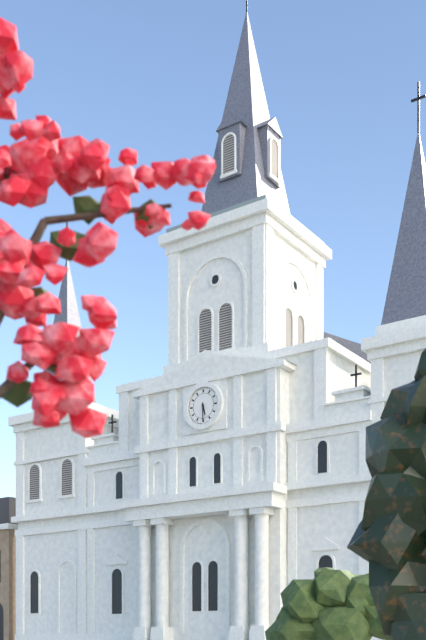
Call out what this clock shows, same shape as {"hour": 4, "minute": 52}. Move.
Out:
{"hour": 5, "minute": 30}
